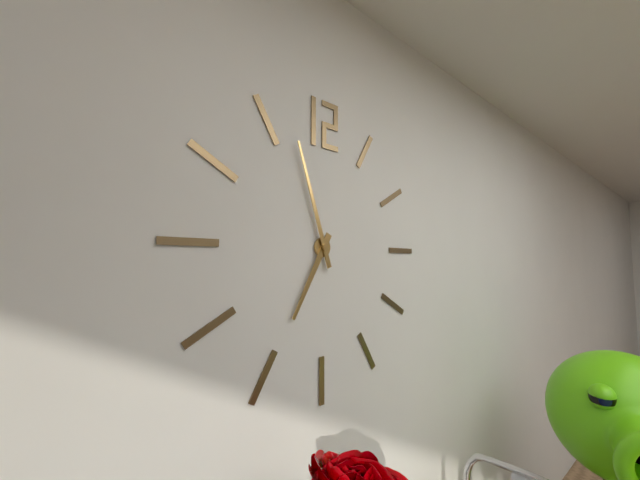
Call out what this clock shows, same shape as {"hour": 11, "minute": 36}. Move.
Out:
{"hour": 6, "minute": 57}
